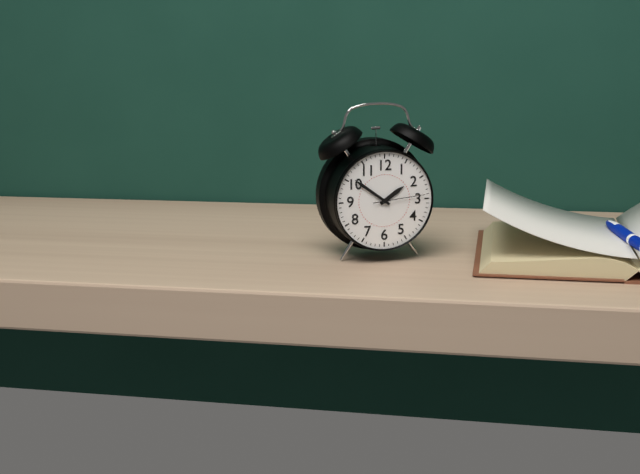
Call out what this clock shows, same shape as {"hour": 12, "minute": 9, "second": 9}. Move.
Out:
{"hour": 1, "minute": 51, "second": 14}
